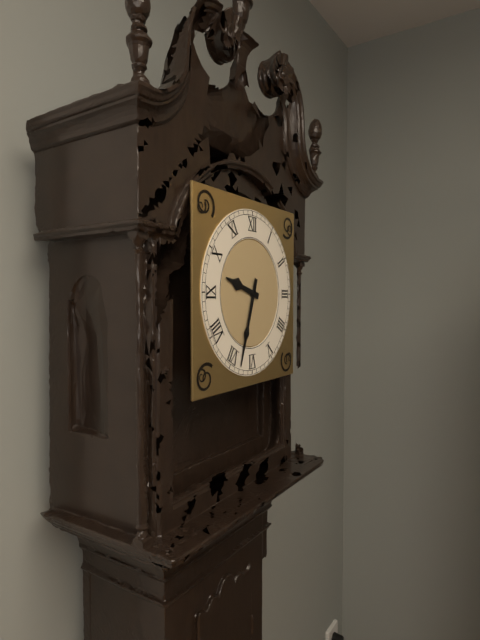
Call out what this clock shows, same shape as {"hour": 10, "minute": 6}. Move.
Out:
{"hour": 9, "minute": 33}
